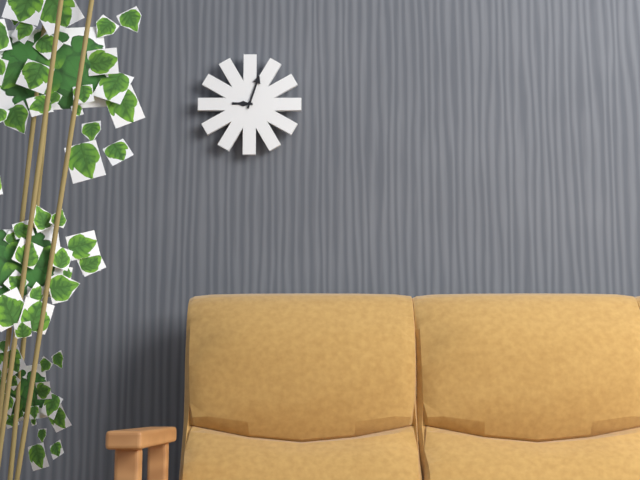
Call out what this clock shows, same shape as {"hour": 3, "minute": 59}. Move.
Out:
{"hour": 9, "minute": 3}
